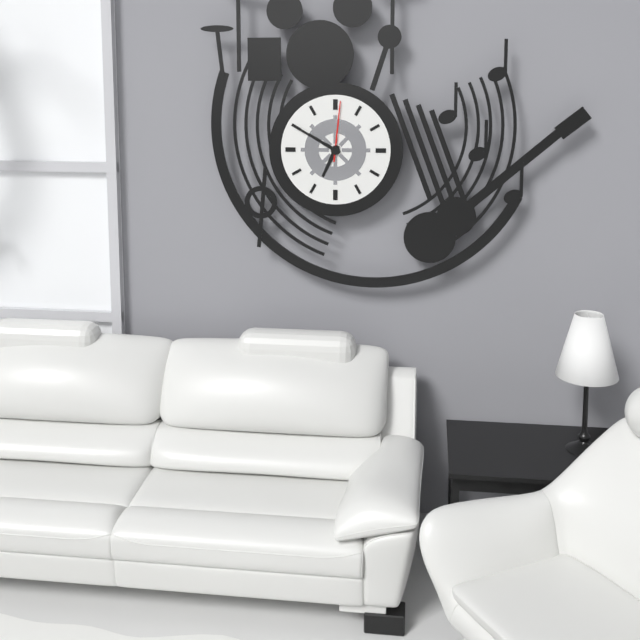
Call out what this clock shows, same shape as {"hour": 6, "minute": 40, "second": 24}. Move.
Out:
{"hour": 6, "minute": 50, "second": 1}
